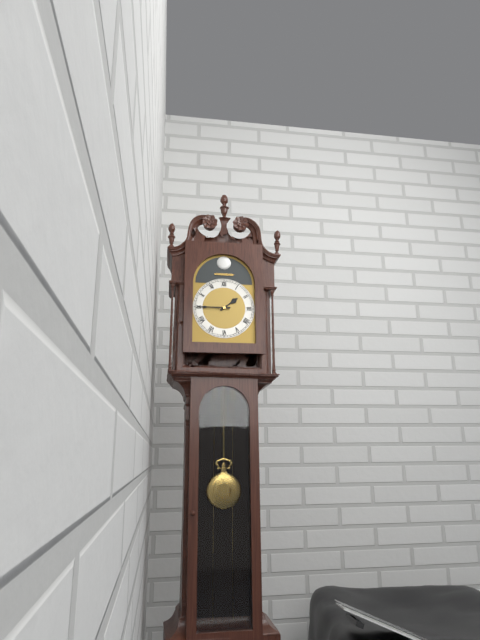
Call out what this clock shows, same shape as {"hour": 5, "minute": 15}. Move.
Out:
{"hour": 1, "minute": 45}
